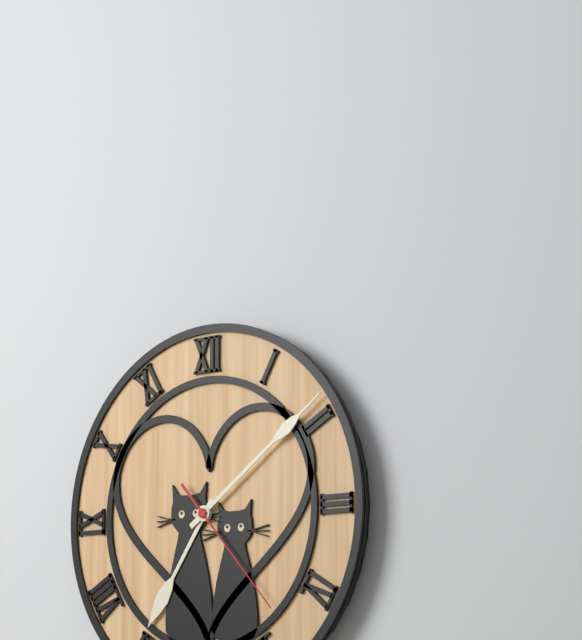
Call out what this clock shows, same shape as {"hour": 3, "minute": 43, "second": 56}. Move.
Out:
{"hour": 7, "minute": 9, "second": 23}
